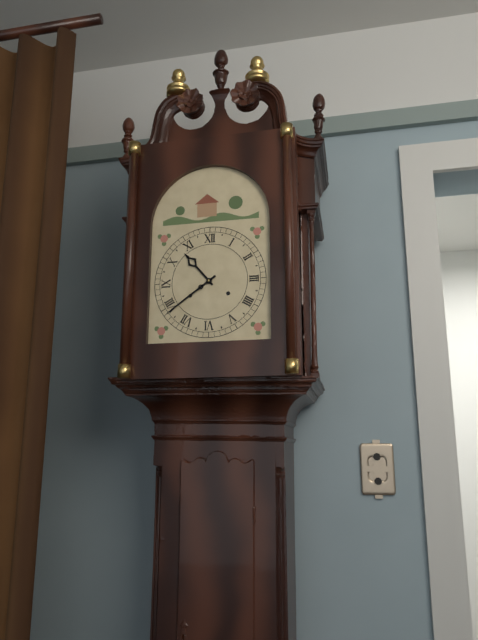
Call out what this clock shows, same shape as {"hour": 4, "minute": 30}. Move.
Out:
{"hour": 10, "minute": 39}
